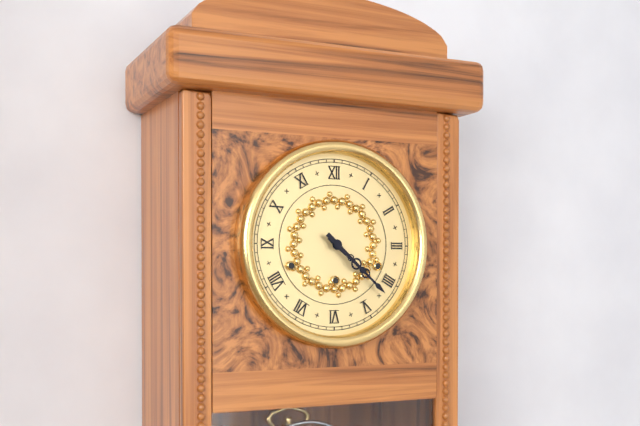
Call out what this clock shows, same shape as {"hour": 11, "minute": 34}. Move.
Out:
{"hour": 4, "minute": 22}
